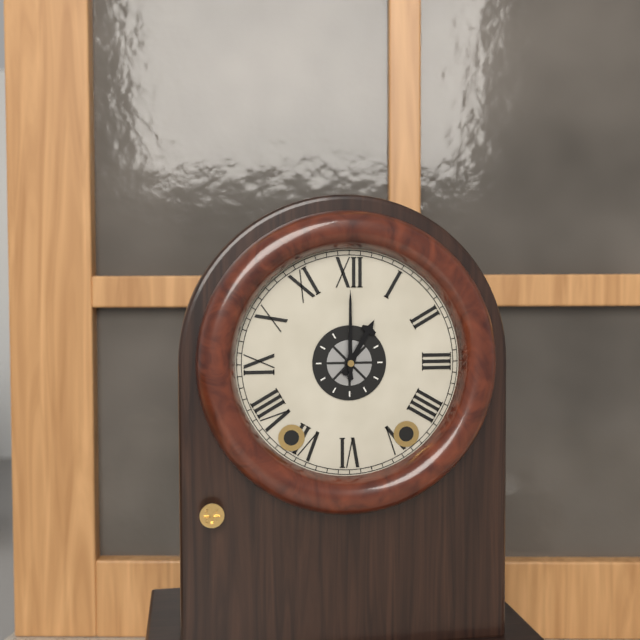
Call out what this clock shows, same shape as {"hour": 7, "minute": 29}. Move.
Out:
{"hour": 1, "minute": 0}
